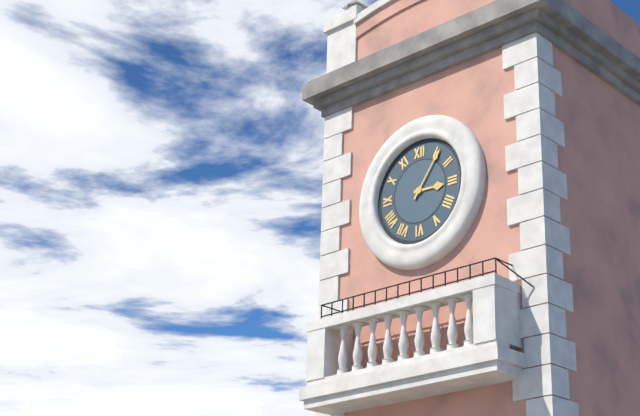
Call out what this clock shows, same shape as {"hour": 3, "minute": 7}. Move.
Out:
{"hour": 3, "minute": 6}
